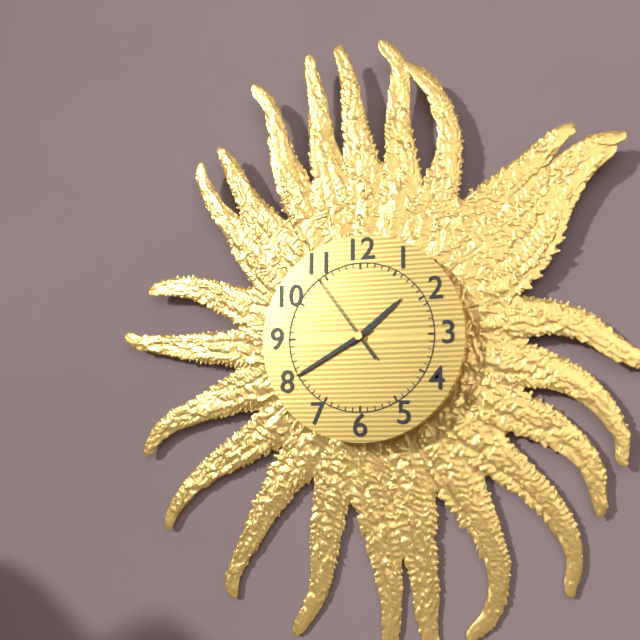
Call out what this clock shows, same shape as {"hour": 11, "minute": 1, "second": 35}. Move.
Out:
{"hour": 1, "minute": 40, "second": 54}
